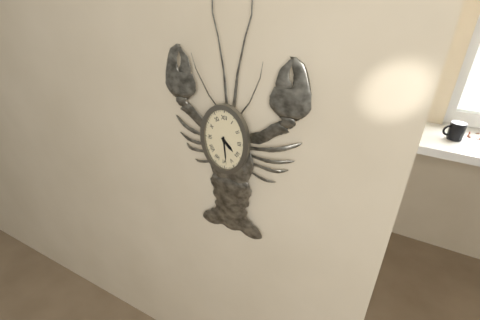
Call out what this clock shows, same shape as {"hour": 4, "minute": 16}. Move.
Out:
{"hour": 4, "minute": 29}
